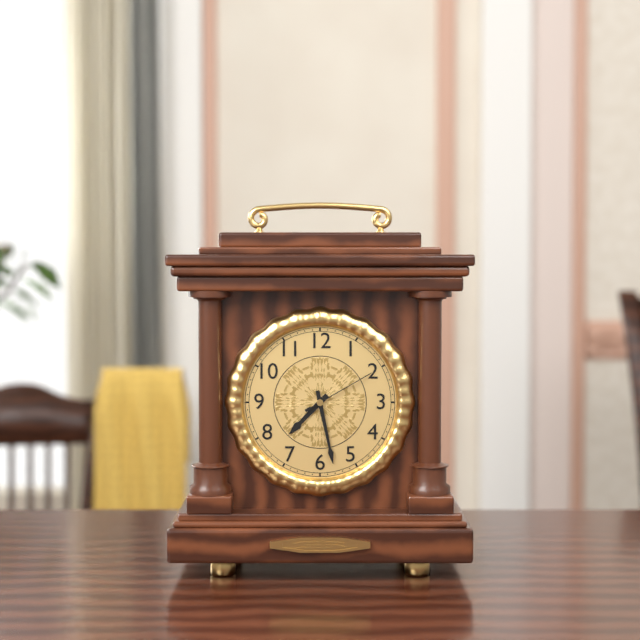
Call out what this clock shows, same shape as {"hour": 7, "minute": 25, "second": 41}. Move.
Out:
{"hour": 7, "minute": 28, "second": 10}
